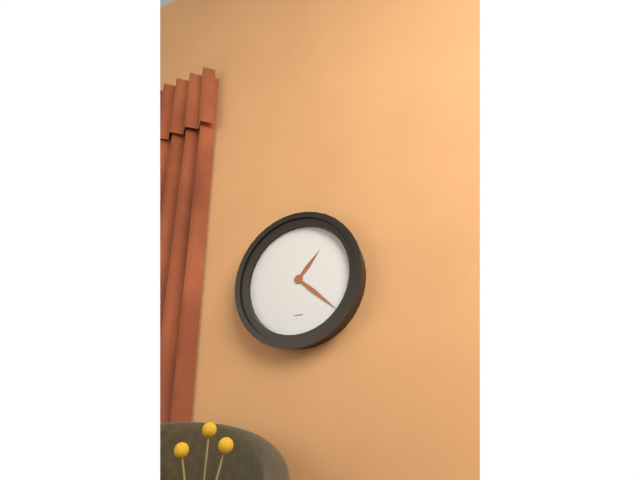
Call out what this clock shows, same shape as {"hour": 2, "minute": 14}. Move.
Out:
{"hour": 1, "minute": 22}
